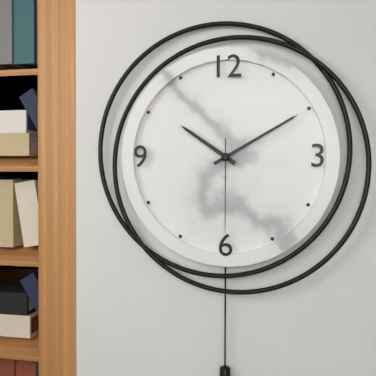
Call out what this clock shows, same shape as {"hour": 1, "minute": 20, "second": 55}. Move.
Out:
{"hour": 10, "minute": 10, "second": 30}
